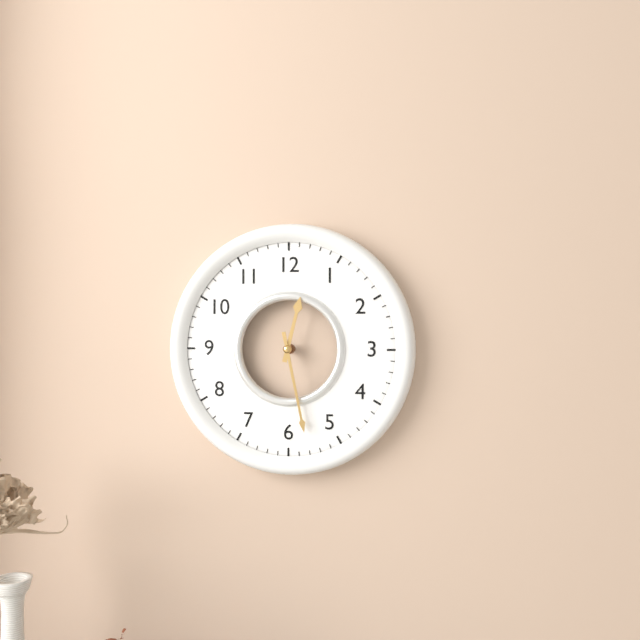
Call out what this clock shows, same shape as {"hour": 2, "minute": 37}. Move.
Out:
{"hour": 12, "minute": 28}
